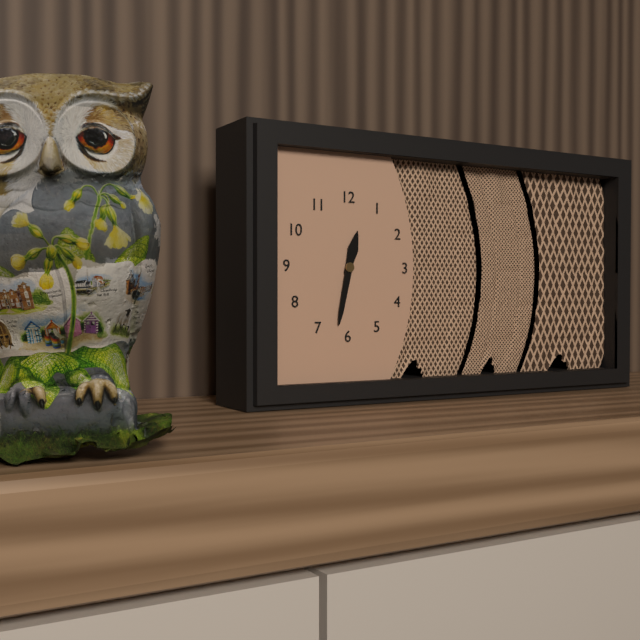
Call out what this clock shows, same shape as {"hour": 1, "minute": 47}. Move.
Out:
{"hour": 12, "minute": 32}
